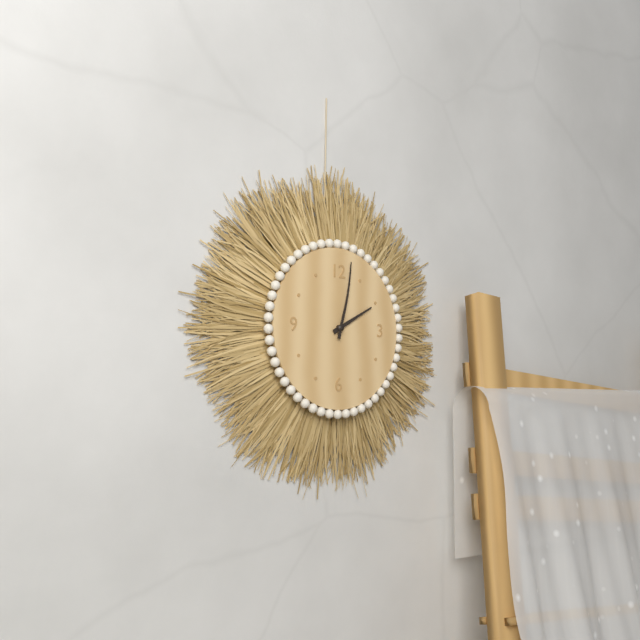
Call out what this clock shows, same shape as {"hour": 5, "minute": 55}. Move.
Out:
{"hour": 2, "minute": 2}
